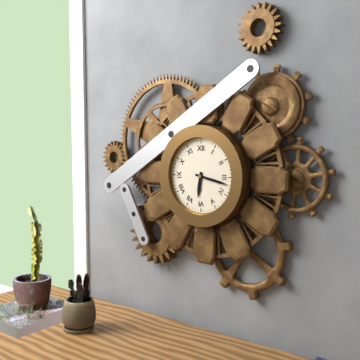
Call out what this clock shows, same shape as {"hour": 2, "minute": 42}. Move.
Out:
{"hour": 6, "minute": 17}
